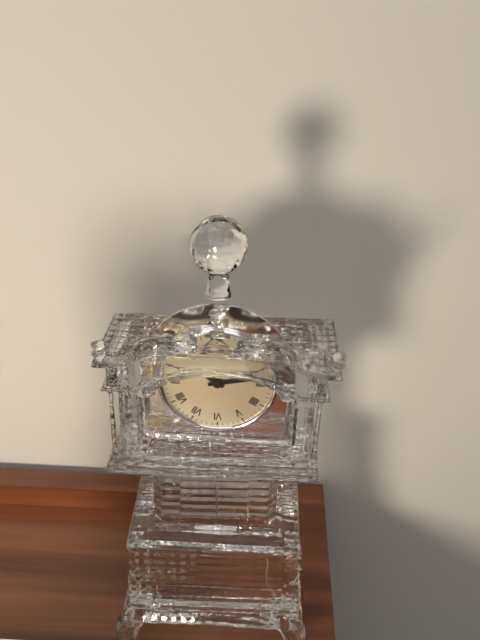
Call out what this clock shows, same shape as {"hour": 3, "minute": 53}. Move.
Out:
{"hour": 10, "minute": 13}
